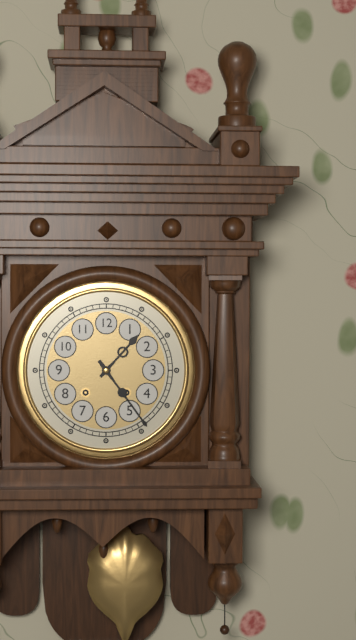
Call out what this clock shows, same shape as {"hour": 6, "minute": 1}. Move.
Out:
{"hour": 1, "minute": 24}
